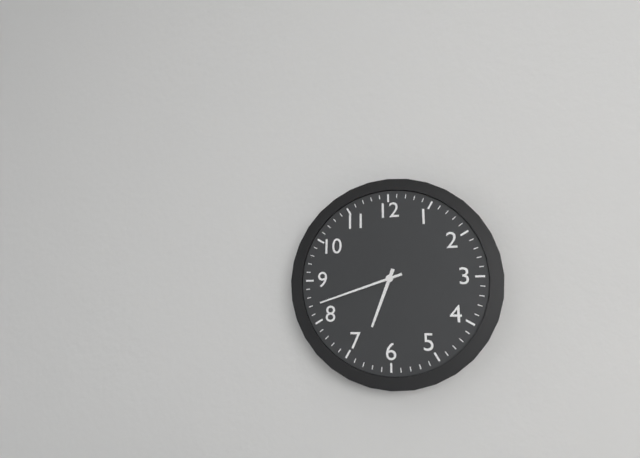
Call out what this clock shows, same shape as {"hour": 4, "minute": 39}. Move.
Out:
{"hour": 6, "minute": 42}
